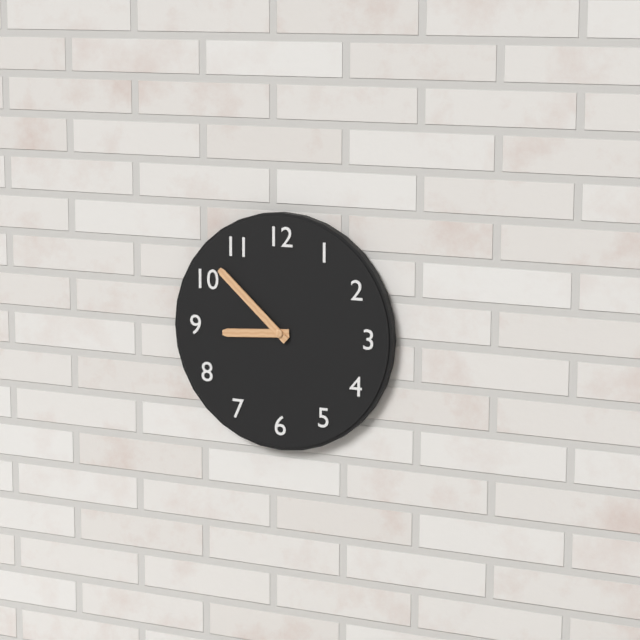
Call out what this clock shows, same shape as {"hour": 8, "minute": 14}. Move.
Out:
{"hour": 8, "minute": 52}
